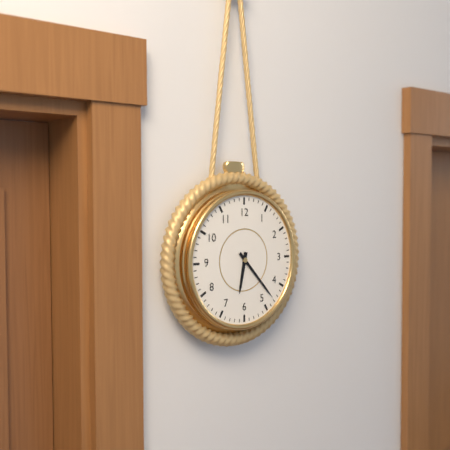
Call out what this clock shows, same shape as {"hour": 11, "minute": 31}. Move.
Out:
{"hour": 6, "minute": 23}
